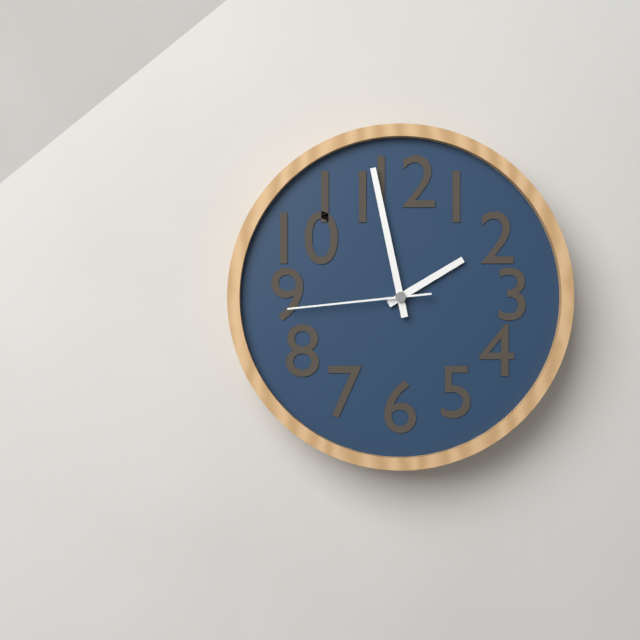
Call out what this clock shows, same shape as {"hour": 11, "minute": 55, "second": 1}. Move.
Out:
{"hour": 1, "minute": 58, "second": 44}
